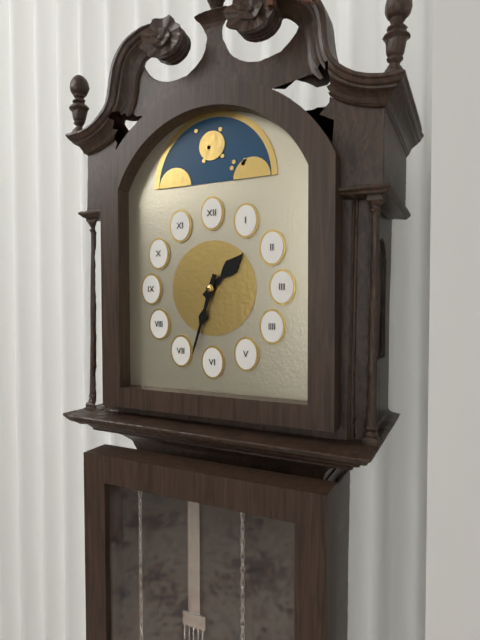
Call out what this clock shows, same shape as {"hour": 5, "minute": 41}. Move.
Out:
{"hour": 1, "minute": 33}
